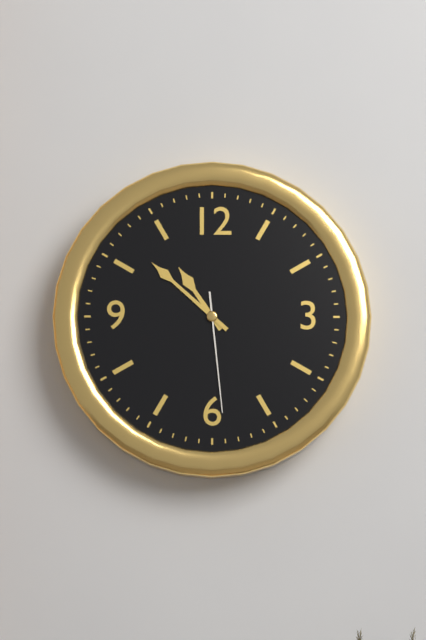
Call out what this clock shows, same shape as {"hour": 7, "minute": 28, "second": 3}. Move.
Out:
{"hour": 10, "minute": 52, "second": 29}
